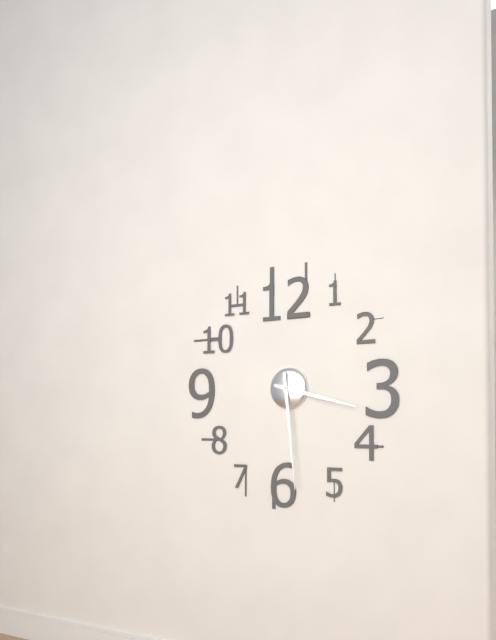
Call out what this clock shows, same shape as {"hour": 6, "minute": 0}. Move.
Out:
{"hour": 3, "minute": 29}
